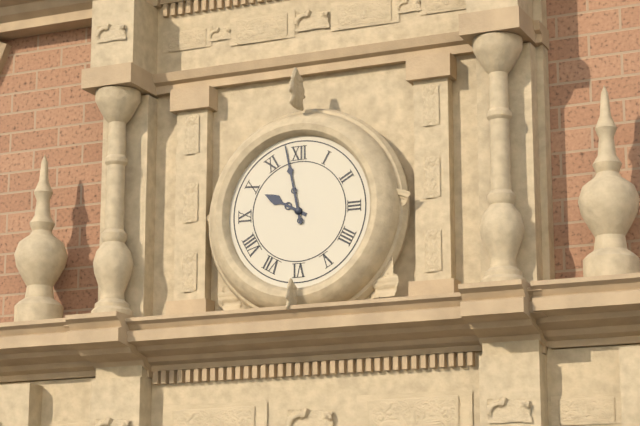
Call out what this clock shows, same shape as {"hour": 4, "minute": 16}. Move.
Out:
{"hour": 9, "minute": 58}
